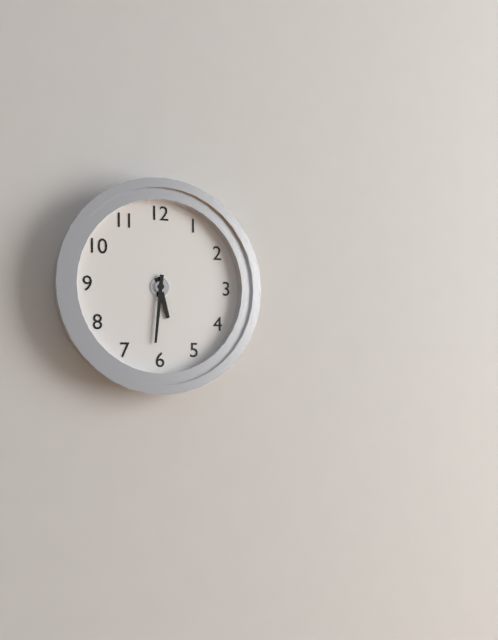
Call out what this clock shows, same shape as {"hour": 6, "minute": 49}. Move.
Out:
{"hour": 5, "minute": 31}
